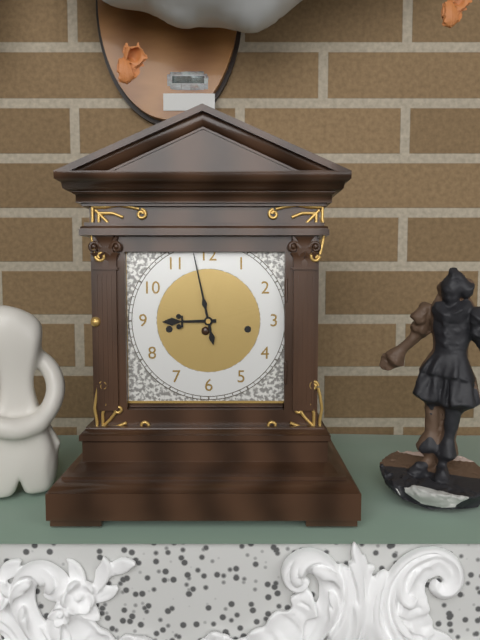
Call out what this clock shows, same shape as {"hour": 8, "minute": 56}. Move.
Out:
{"hour": 8, "minute": 58}
